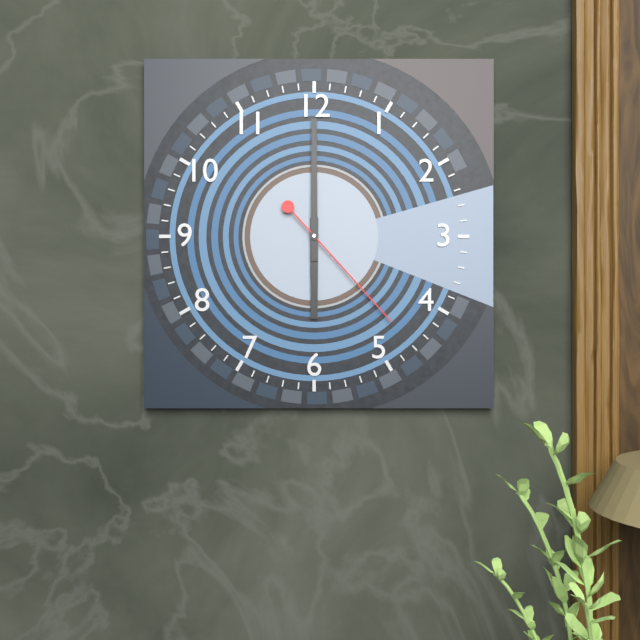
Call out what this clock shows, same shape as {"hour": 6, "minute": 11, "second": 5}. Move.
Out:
{"hour": 6, "minute": 0, "second": 23}
